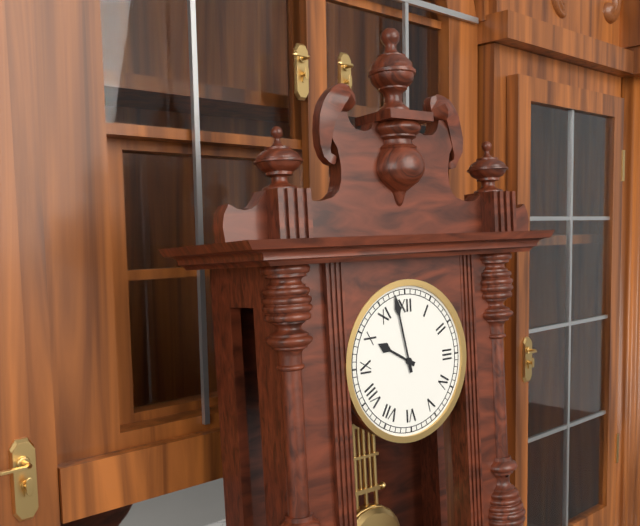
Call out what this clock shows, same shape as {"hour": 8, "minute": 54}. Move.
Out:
{"hour": 9, "minute": 58}
